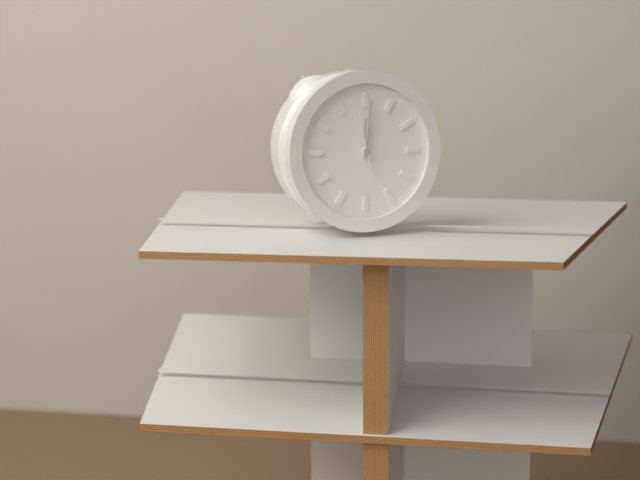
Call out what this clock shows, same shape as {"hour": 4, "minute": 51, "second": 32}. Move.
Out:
{"hour": 12, "minute": 1, "second": 58}
